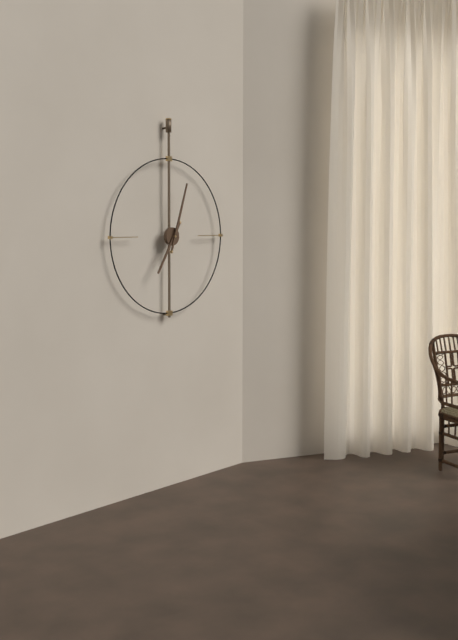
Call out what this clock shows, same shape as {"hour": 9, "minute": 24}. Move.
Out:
{"hour": 7, "minute": 3}
